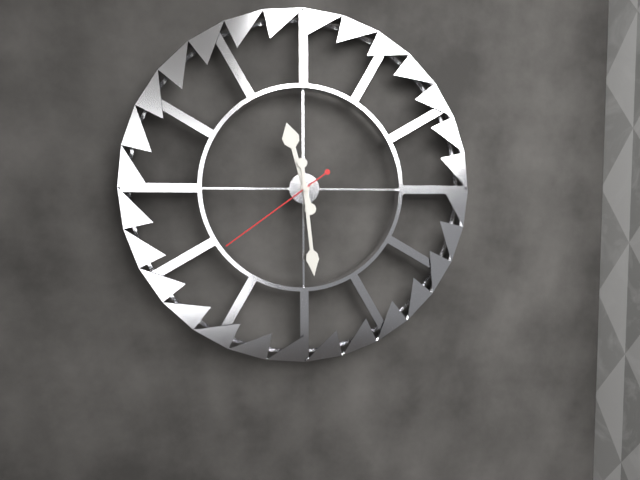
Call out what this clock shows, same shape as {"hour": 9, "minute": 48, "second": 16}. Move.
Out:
{"hour": 11, "minute": 29, "second": 39}
